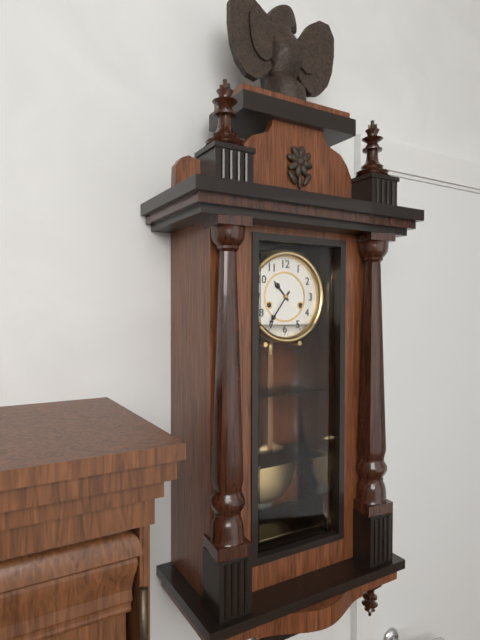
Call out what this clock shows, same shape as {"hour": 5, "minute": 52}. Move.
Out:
{"hour": 10, "minute": 36}
